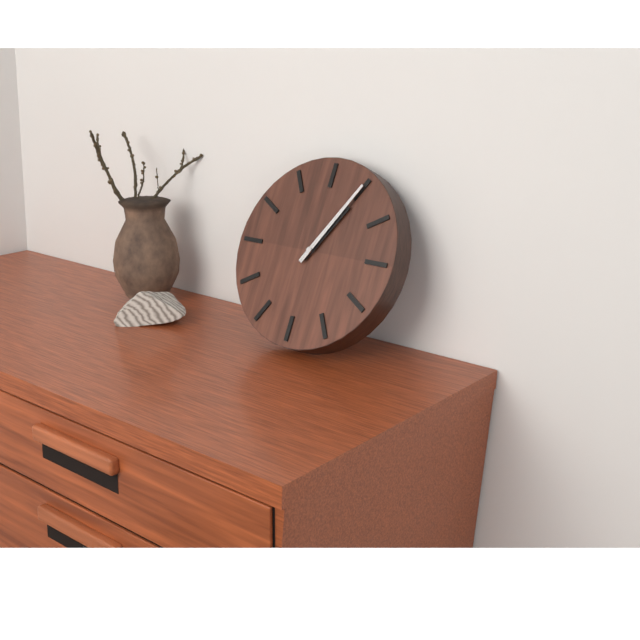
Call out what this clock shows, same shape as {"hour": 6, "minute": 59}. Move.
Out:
{"hour": 1, "minute": 5}
